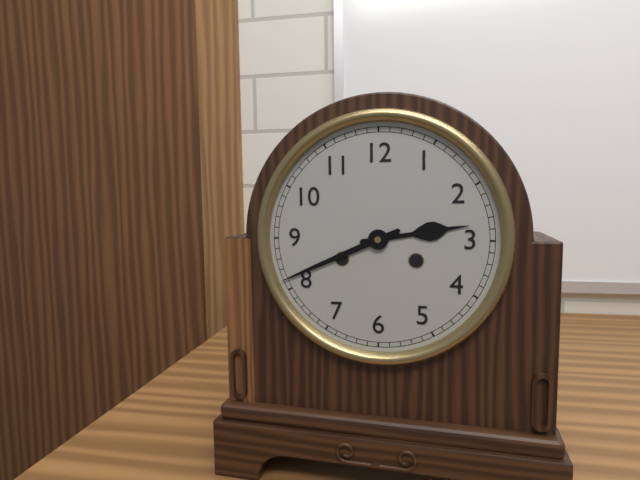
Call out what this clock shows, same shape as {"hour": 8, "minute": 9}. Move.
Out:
{"hour": 2, "minute": 41}
